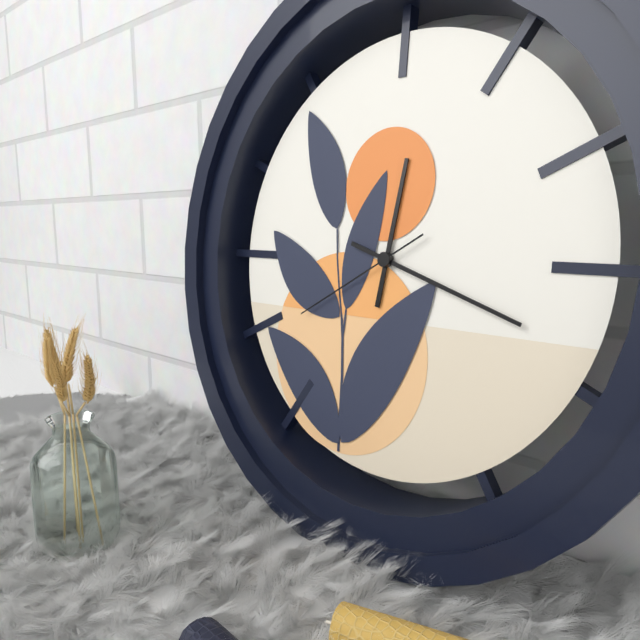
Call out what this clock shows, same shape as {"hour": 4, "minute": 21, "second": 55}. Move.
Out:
{"hour": 12, "minute": 18, "second": 40}
